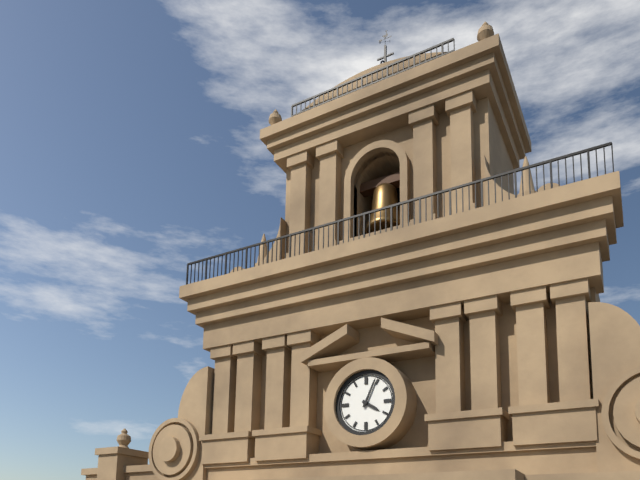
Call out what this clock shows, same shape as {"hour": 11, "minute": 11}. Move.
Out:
{"hour": 4, "minute": 4}
